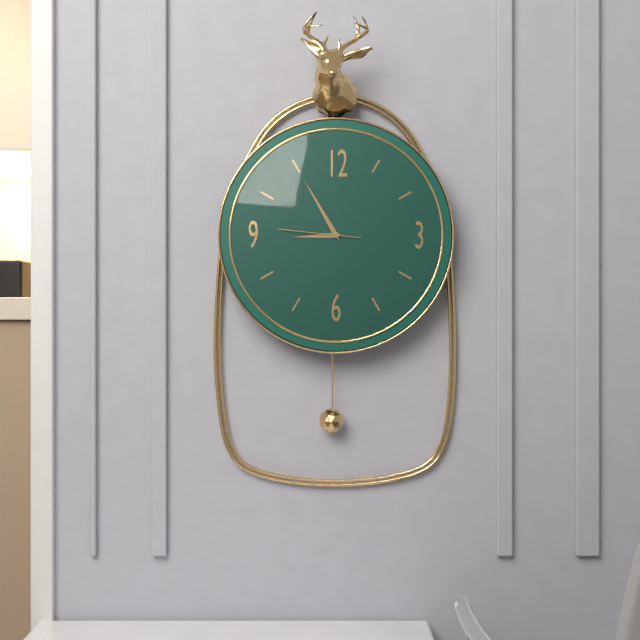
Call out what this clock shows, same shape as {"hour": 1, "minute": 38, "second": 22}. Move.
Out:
{"hour": 8, "minute": 55, "second": 46}
